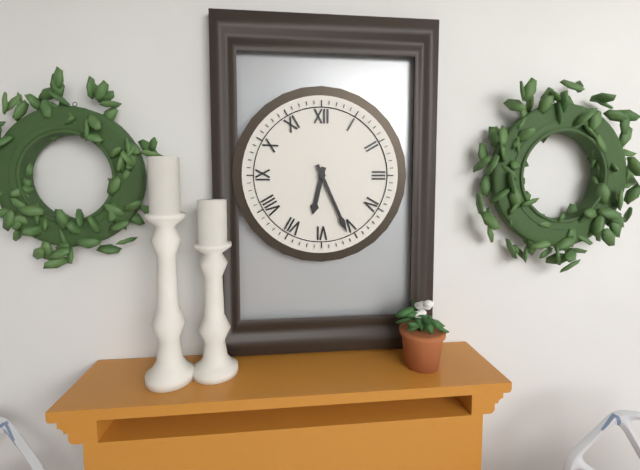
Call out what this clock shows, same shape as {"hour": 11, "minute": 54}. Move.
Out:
{"hour": 6, "minute": 26}
